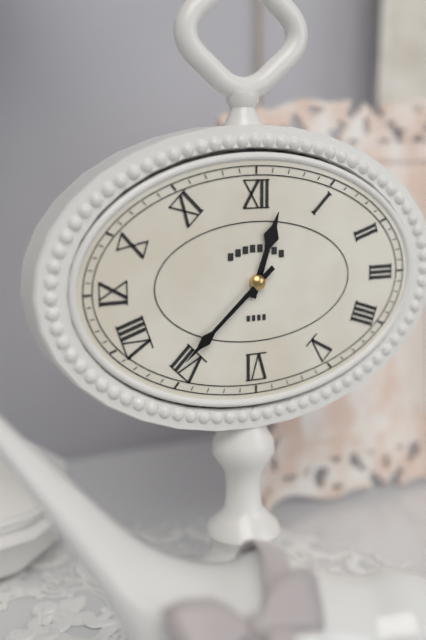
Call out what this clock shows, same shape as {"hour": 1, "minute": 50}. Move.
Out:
{"hour": 12, "minute": 38}
